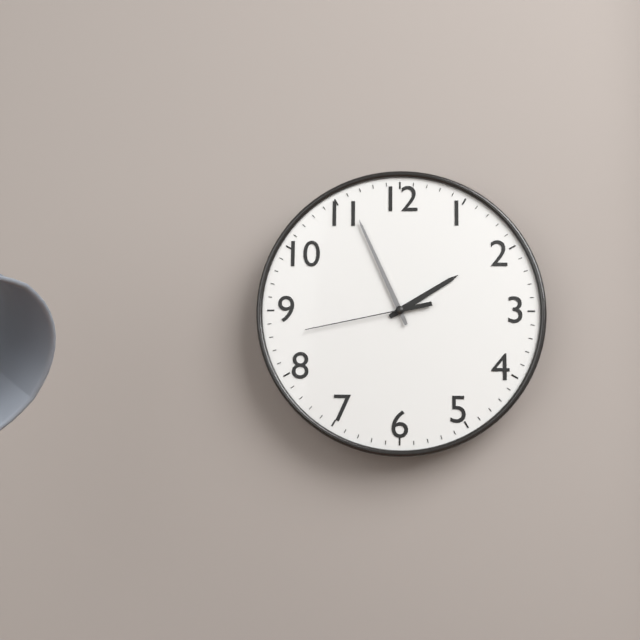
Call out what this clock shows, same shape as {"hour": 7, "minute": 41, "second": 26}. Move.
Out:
{"hour": 1, "minute": 56, "second": 43}
